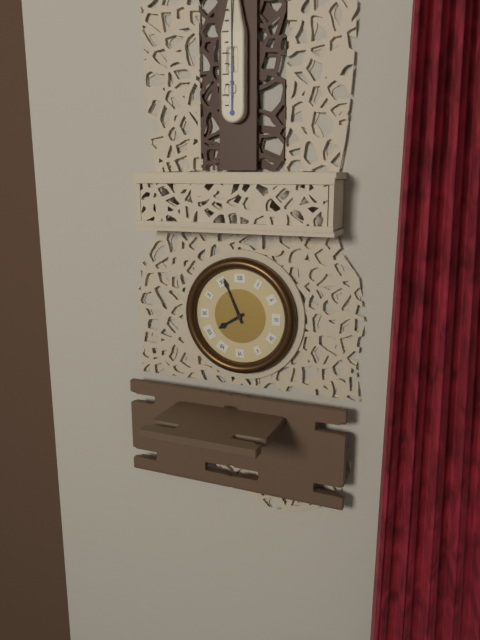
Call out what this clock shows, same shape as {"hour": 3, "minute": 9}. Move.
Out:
{"hour": 7, "minute": 56}
